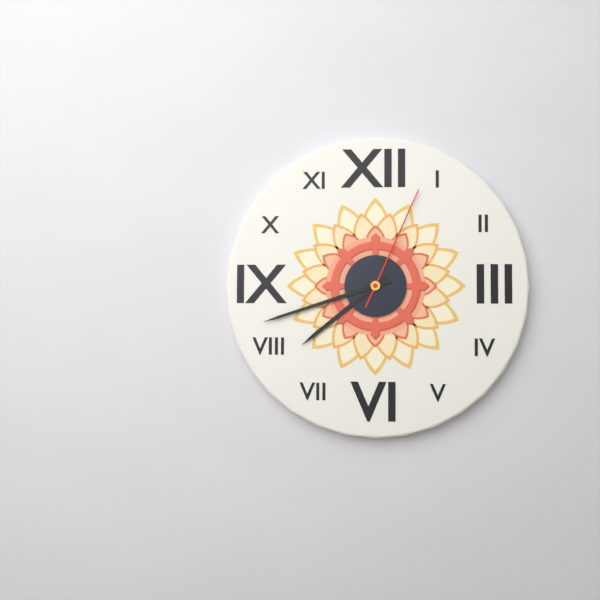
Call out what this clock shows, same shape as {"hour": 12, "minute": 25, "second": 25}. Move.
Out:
{"hour": 7, "minute": 42, "second": 4}
